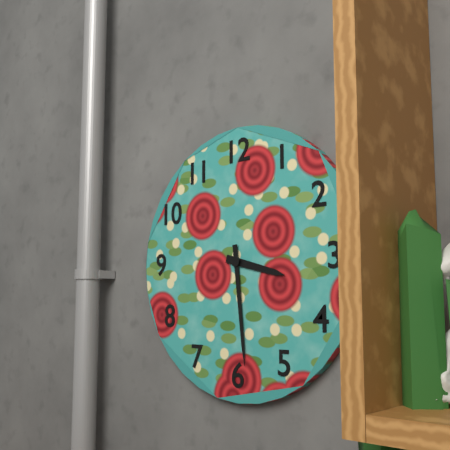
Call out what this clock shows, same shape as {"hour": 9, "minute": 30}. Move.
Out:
{"hour": 3, "minute": 29}
